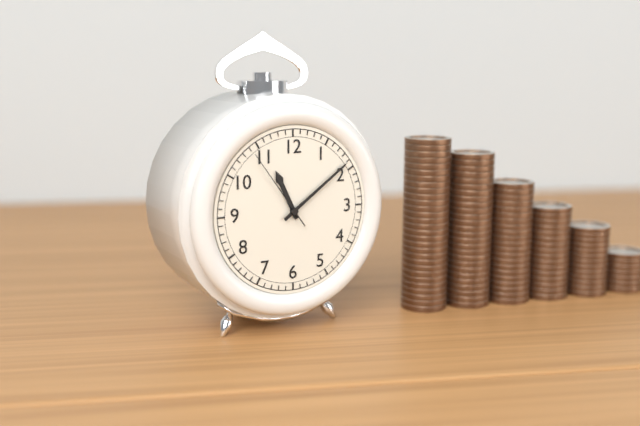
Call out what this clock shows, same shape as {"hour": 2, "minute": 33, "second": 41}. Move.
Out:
{"hour": 11, "minute": 9, "second": 54}
